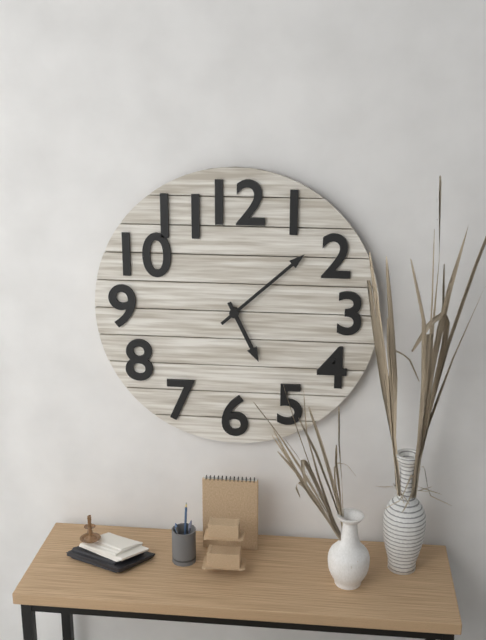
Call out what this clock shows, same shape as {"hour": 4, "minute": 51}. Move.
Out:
{"hour": 5, "minute": 8}
